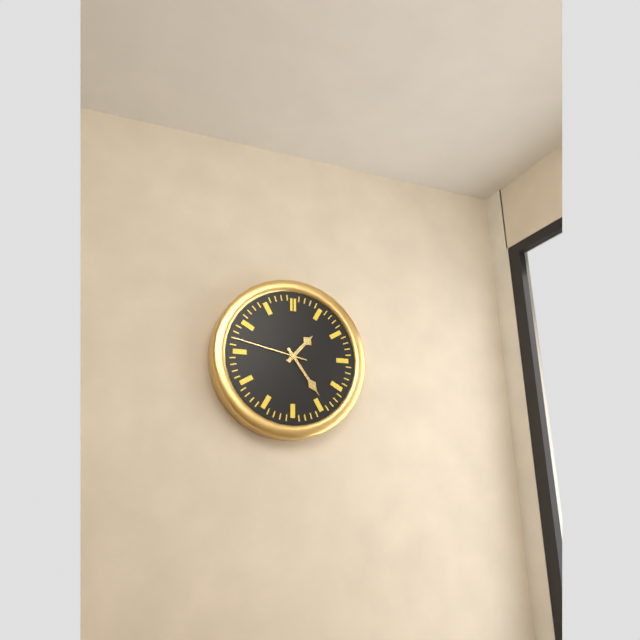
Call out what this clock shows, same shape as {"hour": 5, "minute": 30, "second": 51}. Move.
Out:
{"hour": 1, "minute": 24, "second": 47}
